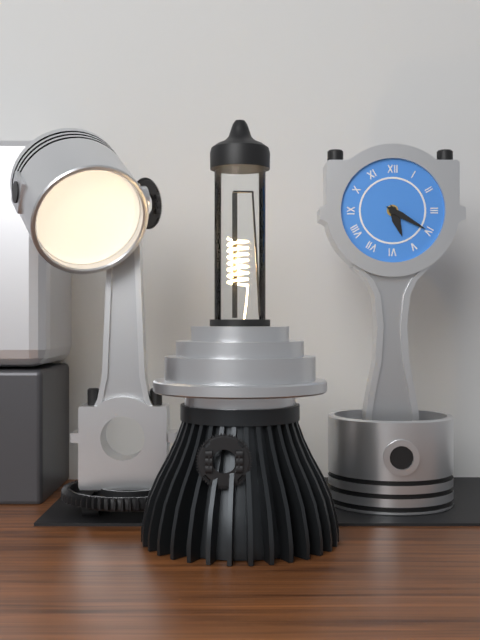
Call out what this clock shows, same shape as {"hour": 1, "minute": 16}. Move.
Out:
{"hour": 5, "minute": 20}
